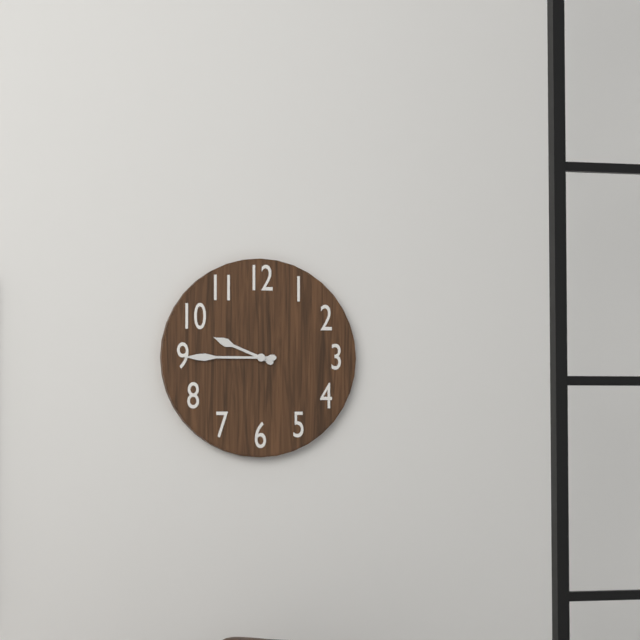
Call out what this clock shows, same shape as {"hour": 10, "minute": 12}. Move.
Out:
{"hour": 9, "minute": 45}
